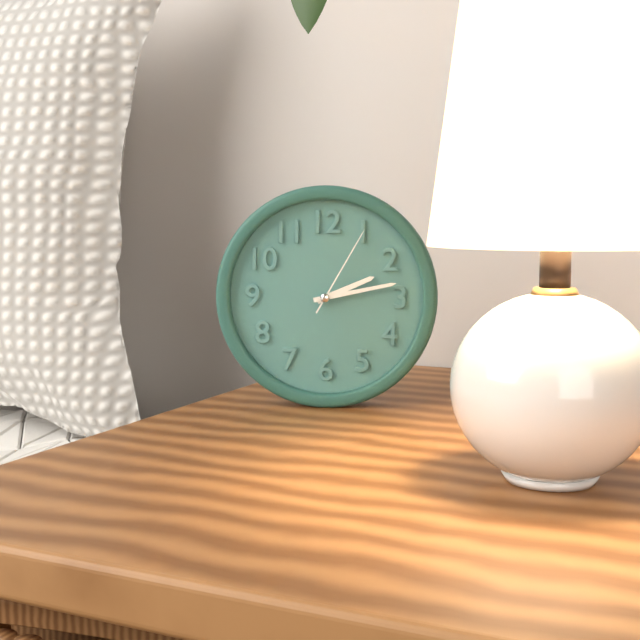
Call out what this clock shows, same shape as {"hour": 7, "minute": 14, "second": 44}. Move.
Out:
{"hour": 2, "minute": 13, "second": 5}
